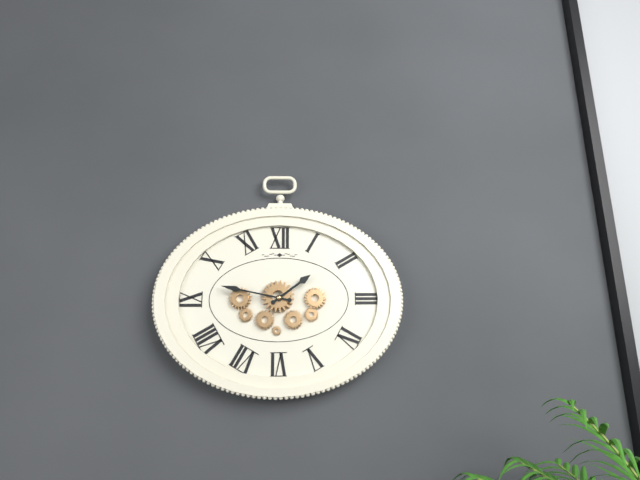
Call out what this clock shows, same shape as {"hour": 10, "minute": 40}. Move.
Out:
{"hour": 1, "minute": 47}
